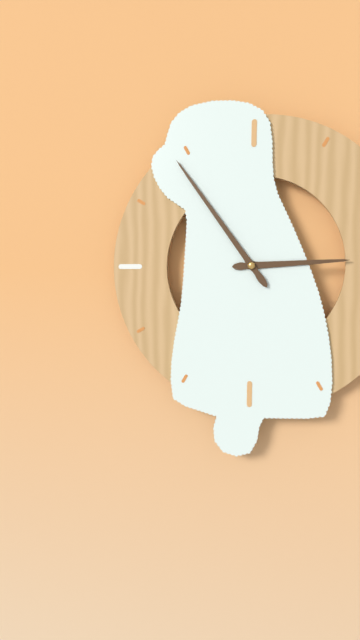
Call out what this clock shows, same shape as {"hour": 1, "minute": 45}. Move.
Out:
{"hour": 2, "minute": 54}
